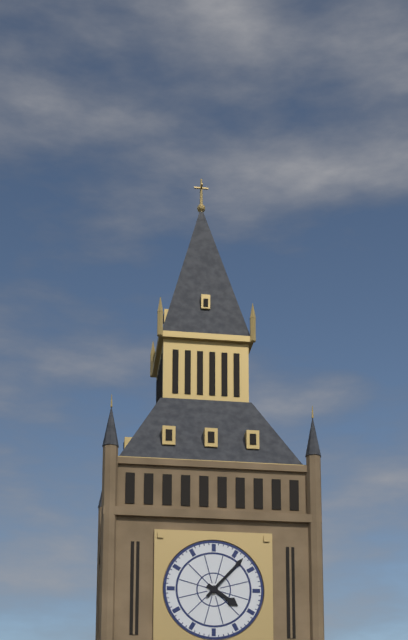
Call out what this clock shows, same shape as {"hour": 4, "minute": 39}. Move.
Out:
{"hour": 4, "minute": 7}
